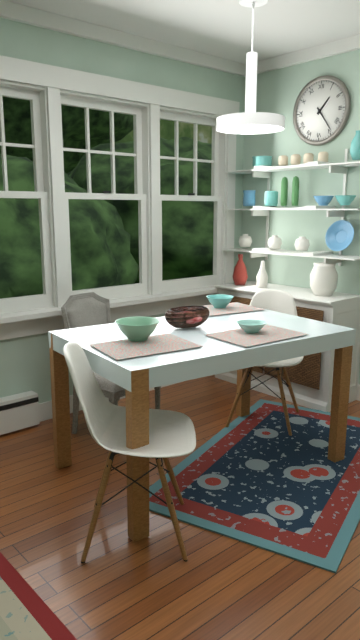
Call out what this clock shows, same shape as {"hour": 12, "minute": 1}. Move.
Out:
{"hour": 1, "minute": 24}
